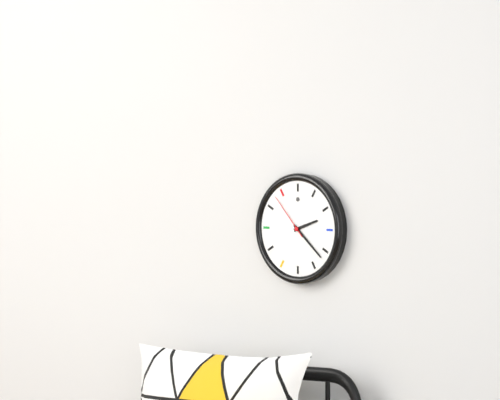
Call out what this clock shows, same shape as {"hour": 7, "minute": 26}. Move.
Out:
{"hour": 2, "minute": 22}
